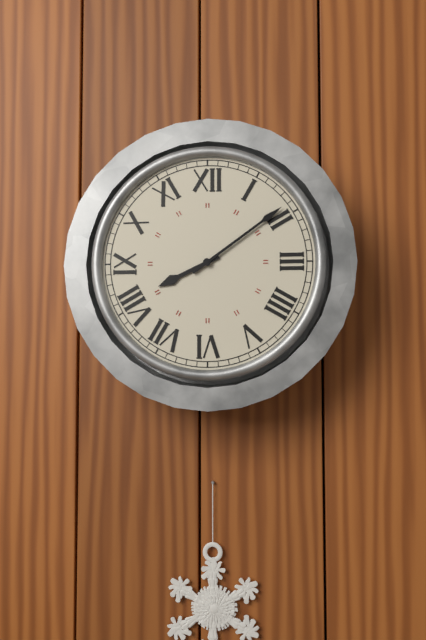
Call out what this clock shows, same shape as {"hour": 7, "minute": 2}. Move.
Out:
{"hour": 8, "minute": 9}
